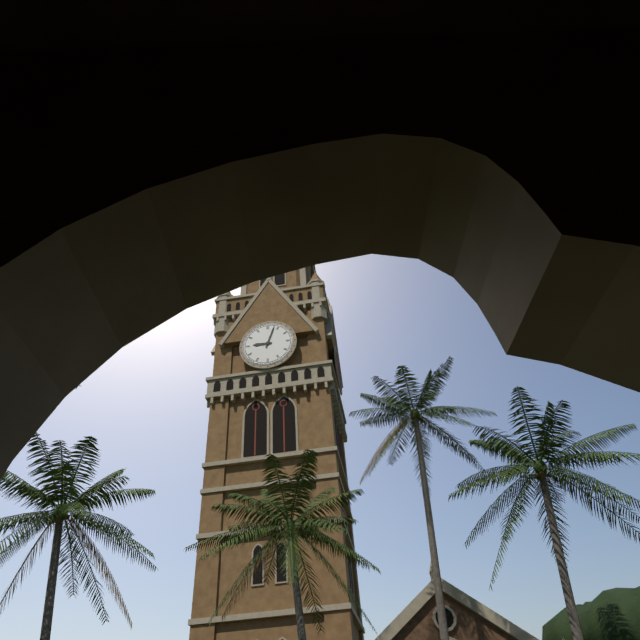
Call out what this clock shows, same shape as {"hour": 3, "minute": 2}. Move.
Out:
{"hour": 9, "minute": 3}
